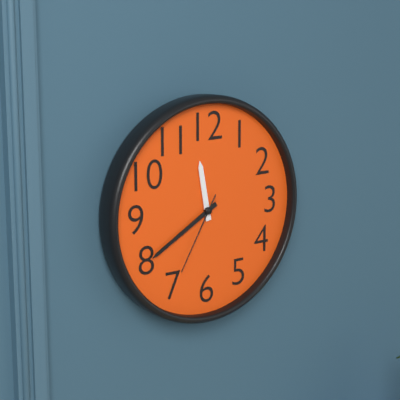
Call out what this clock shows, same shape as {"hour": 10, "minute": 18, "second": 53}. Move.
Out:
{"hour": 11, "minute": 40, "second": 35}
